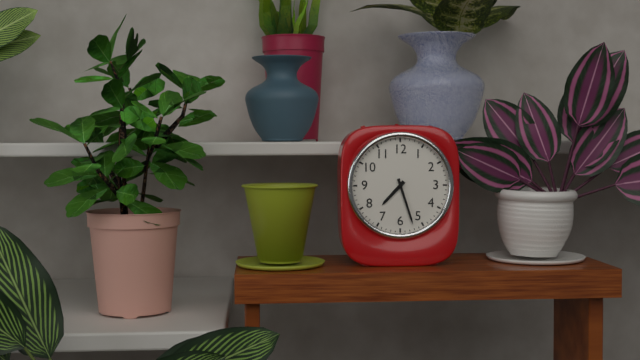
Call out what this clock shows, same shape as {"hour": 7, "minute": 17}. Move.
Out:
{"hour": 7, "minute": 27}
